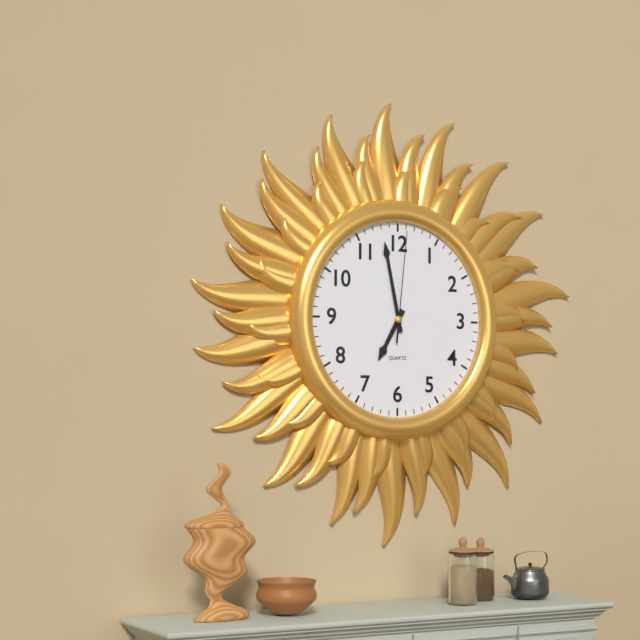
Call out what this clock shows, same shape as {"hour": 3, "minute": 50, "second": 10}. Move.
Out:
{"hour": 6, "minute": 58, "second": 1}
